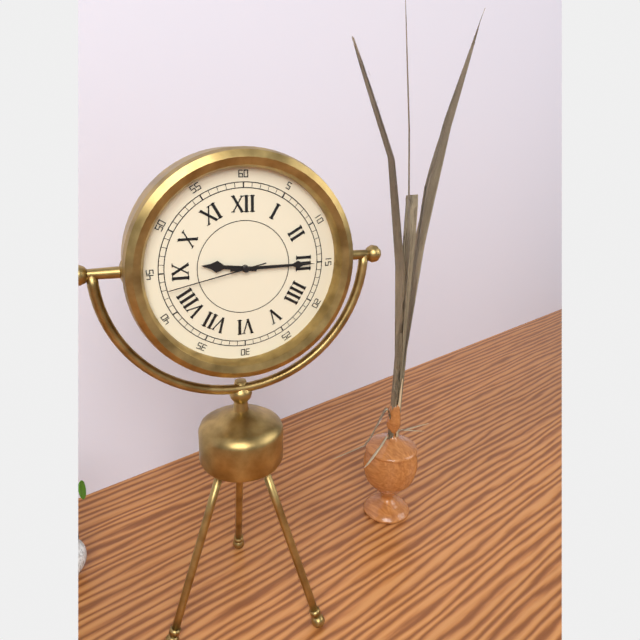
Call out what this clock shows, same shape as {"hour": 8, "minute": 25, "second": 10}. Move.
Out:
{"hour": 9, "minute": 15, "second": 43}
